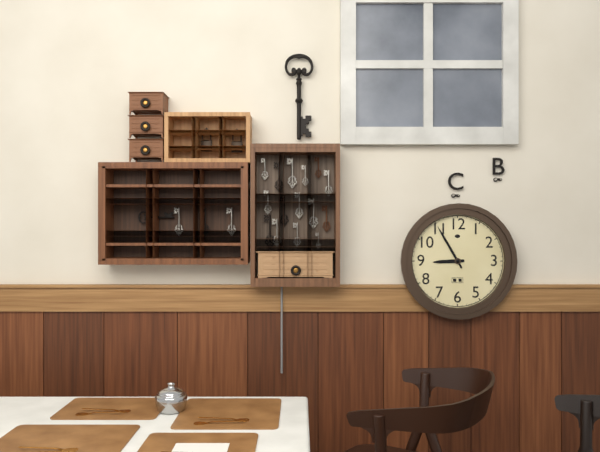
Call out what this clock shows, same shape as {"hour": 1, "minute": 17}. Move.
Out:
{"hour": 8, "minute": 55}
